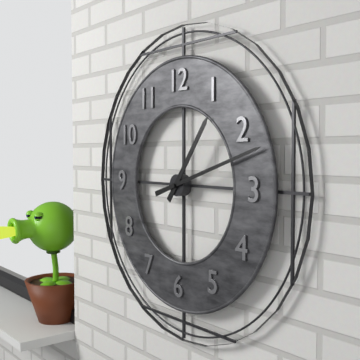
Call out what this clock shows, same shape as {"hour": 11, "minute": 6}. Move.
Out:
{"hour": 1, "minute": 12}
